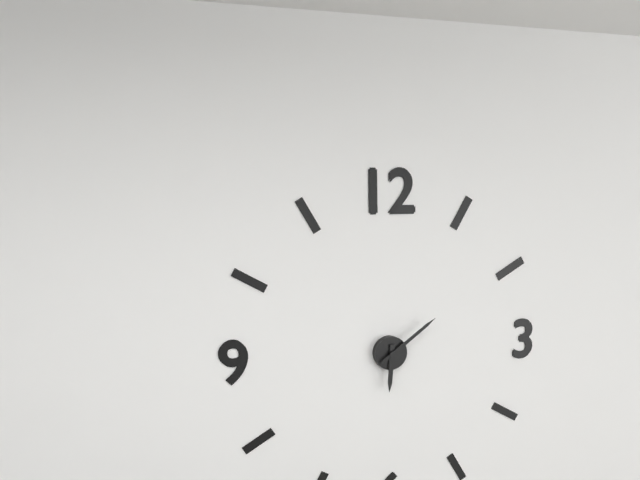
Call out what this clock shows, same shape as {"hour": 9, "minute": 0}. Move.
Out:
{"hour": 6, "minute": 9}
